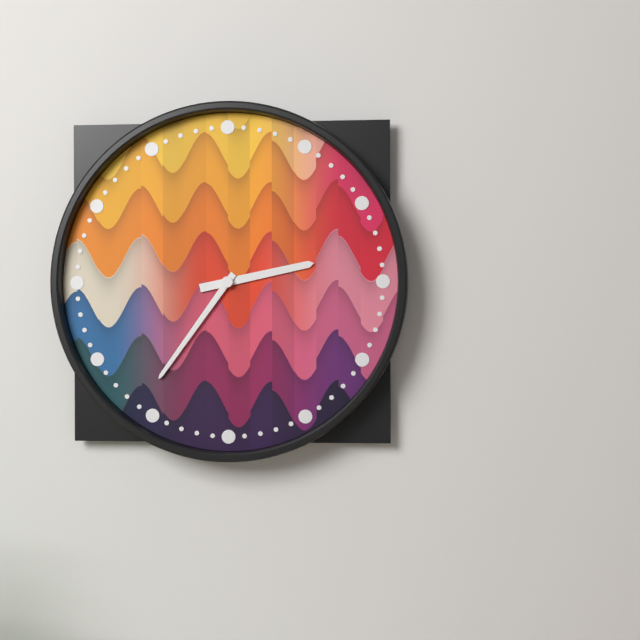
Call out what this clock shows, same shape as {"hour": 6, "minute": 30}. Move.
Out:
{"hour": 2, "minute": 36}
